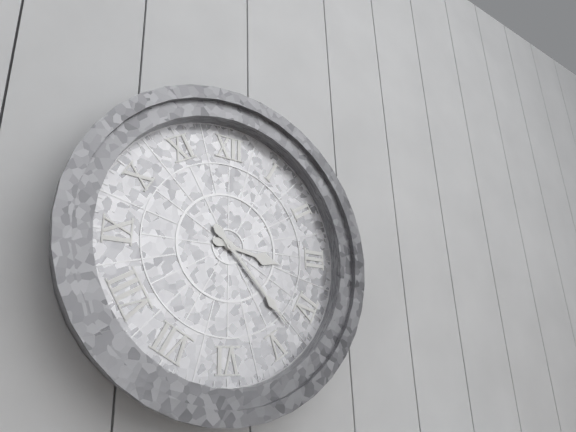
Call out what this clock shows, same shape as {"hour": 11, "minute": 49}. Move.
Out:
{"hour": 3, "minute": 23}
